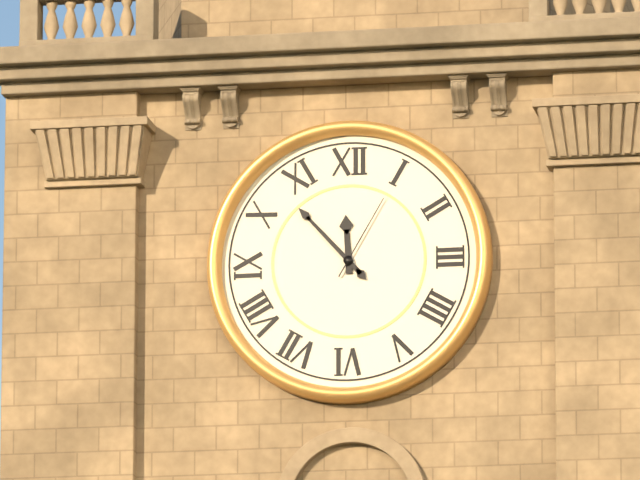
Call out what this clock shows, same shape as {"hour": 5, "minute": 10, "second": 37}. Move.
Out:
{"hour": 11, "minute": 53, "second": 5}
